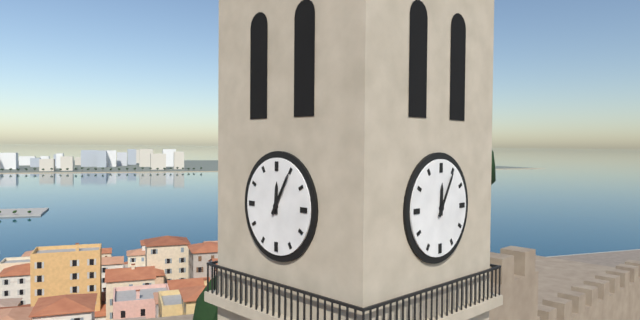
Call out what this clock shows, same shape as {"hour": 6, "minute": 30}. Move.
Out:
{"hour": 12, "minute": 5}
